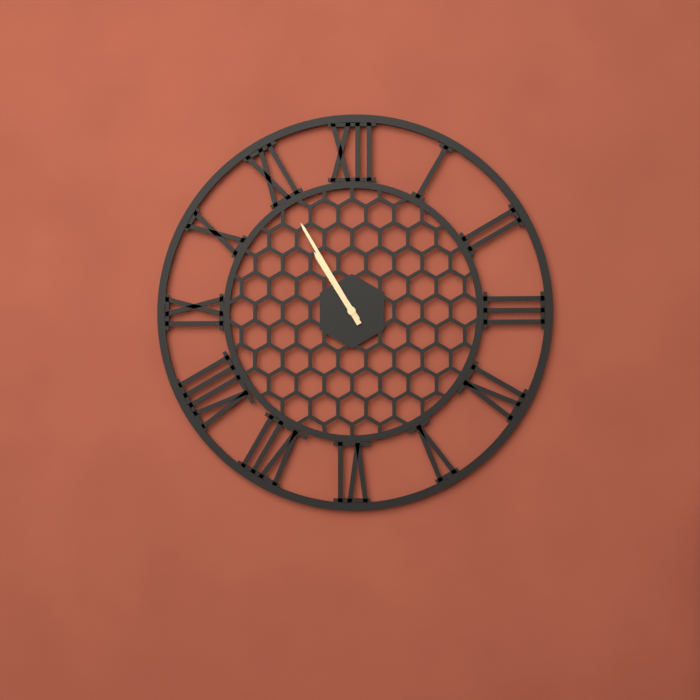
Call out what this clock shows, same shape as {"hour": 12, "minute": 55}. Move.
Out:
{"hour": 10, "minute": 55}
